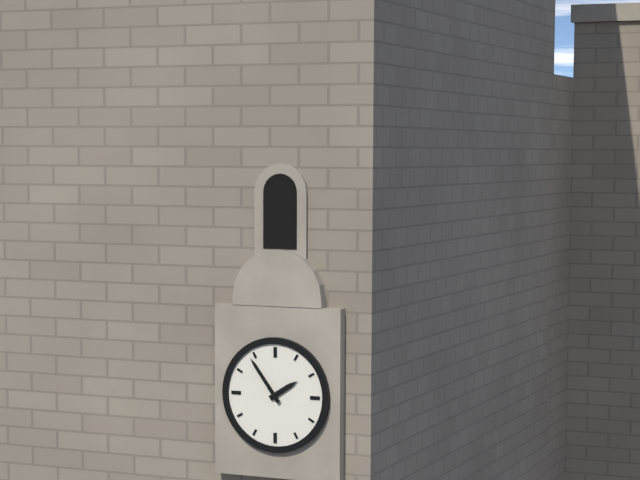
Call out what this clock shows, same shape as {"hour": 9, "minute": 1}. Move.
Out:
{"hour": 1, "minute": 54}
